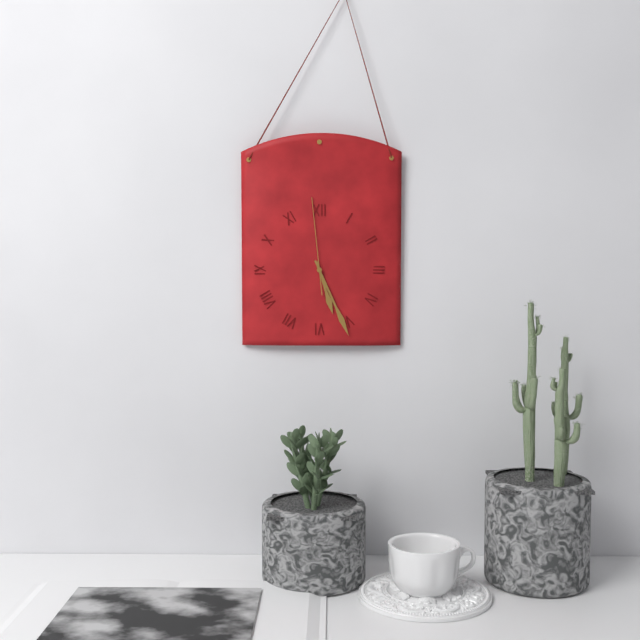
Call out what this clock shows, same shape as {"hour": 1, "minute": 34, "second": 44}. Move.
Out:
{"hour": 5, "minute": 26, "second": 59}
